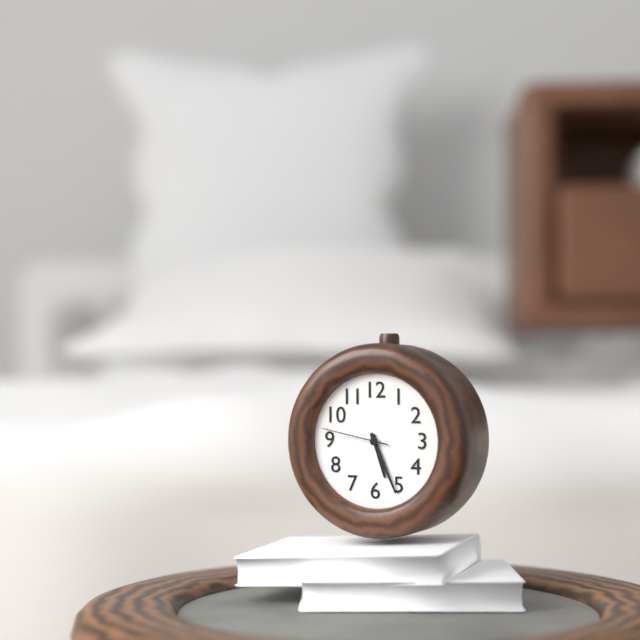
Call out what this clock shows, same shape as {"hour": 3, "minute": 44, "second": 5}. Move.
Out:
{"hour": 5, "minute": 26, "second": 47}
